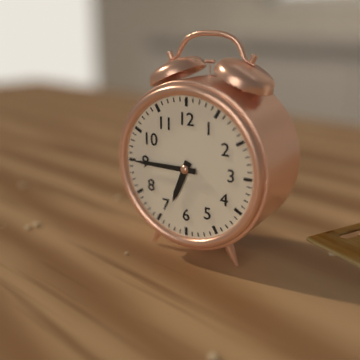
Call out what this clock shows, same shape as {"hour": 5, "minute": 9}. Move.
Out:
{"hour": 6, "minute": 45}
